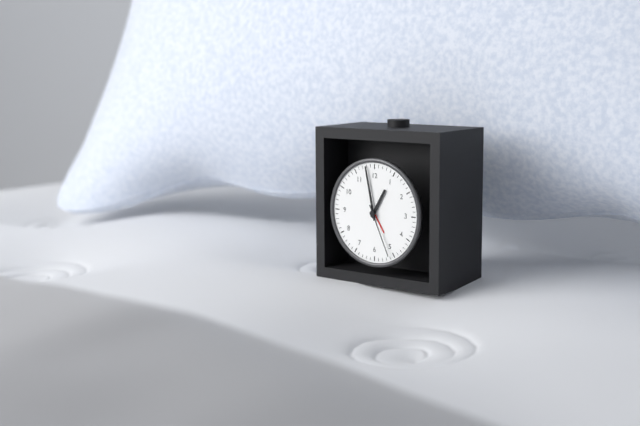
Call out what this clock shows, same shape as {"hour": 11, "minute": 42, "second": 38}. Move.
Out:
{"hour": 12, "minute": 58, "second": 26}
